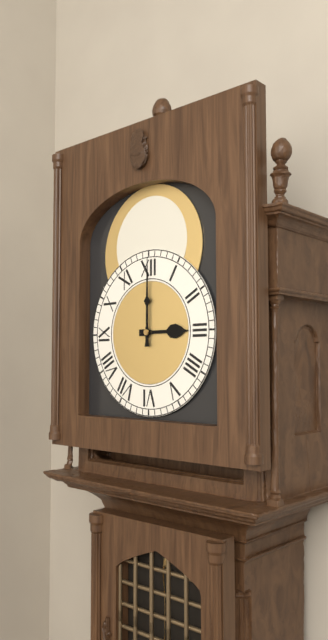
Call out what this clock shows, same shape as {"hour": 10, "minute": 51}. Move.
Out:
{"hour": 3, "minute": 0}
